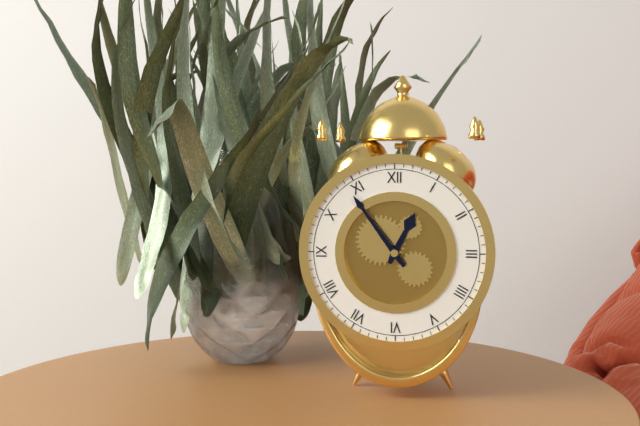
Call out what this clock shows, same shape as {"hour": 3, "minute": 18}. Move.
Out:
{"hour": 12, "minute": 54}
